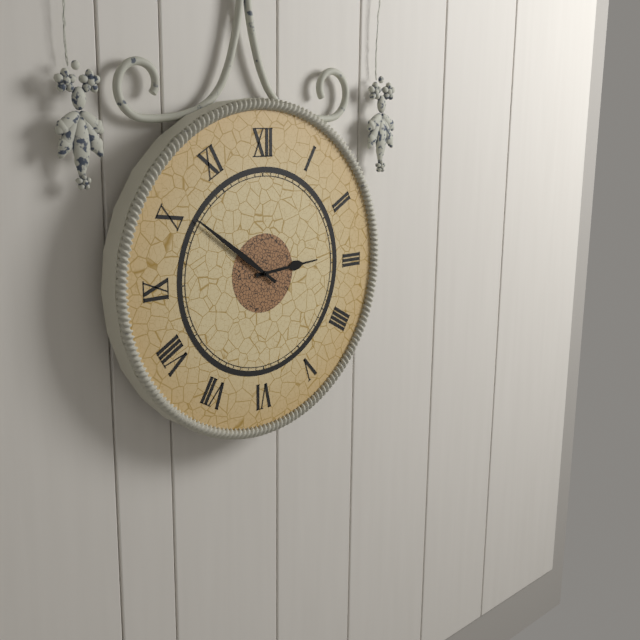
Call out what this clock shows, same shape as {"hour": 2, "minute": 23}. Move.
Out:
{"hour": 2, "minute": 51}
